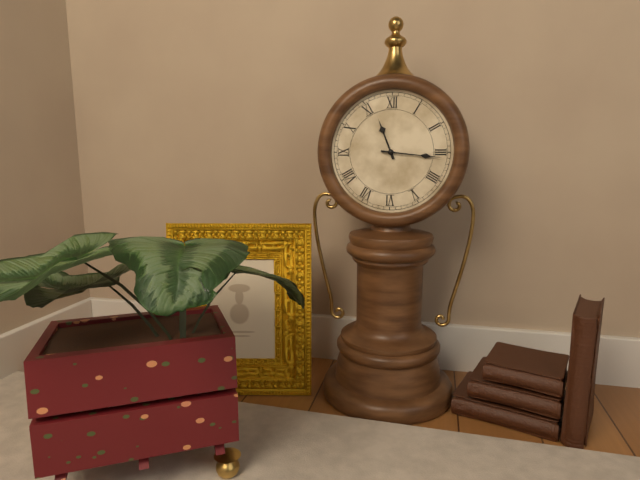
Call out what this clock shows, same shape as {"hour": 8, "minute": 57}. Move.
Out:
{"hour": 11, "minute": 16}
